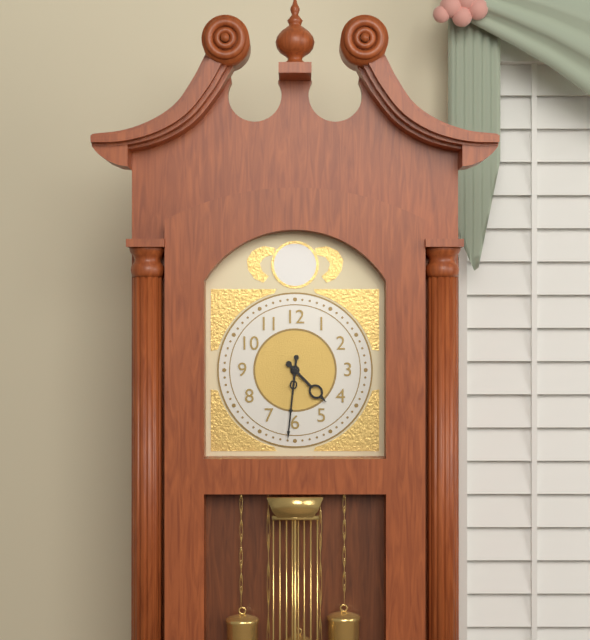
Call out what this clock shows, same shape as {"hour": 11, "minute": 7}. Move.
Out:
{"hour": 4, "minute": 31}
